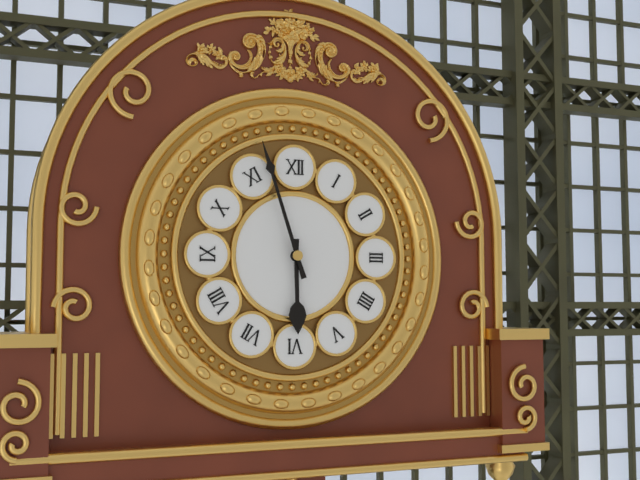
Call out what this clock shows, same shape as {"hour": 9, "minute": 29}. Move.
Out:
{"hour": 5, "minute": 57}
